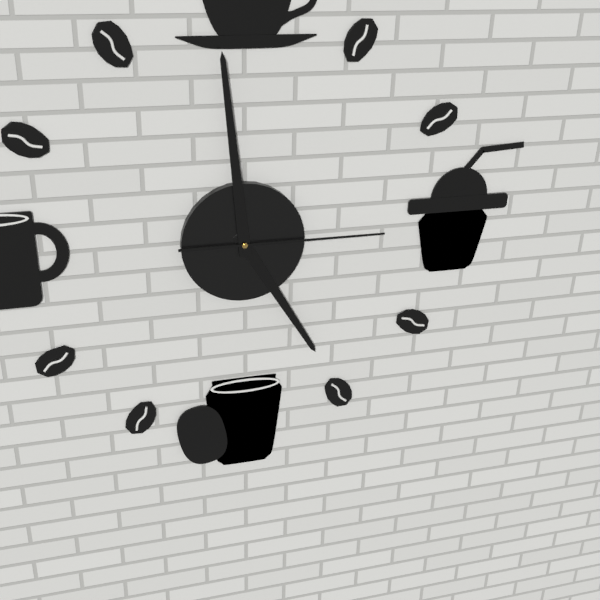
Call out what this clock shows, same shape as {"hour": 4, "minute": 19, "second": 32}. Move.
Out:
{"hour": 4, "minute": 59, "second": 15}
